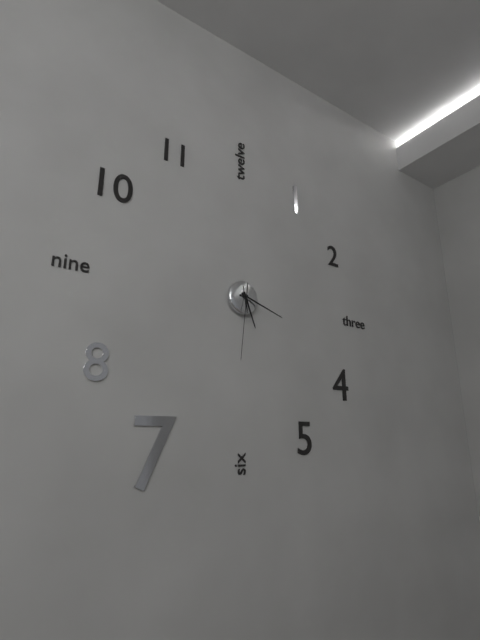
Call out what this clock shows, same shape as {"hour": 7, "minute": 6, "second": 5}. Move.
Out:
{"hour": 5, "minute": 18, "second": 31}
